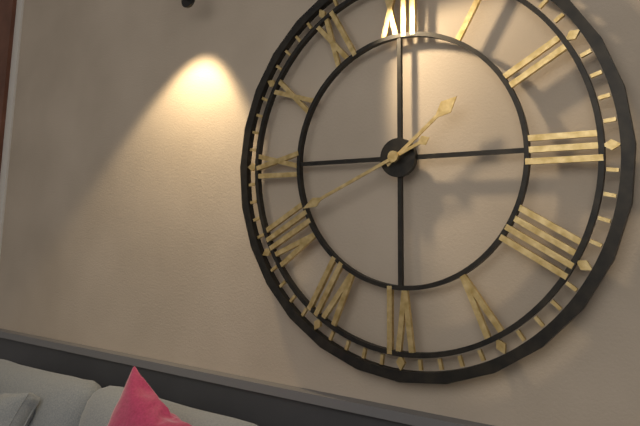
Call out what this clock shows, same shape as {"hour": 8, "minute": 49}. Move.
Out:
{"hour": 1, "minute": 41}
